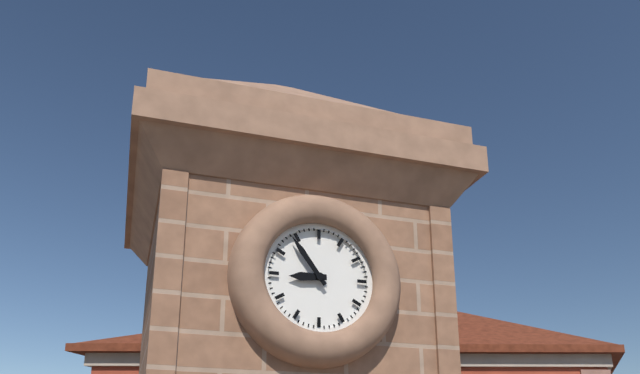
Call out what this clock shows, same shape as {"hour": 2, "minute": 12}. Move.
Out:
{"hour": 8, "minute": 54}
